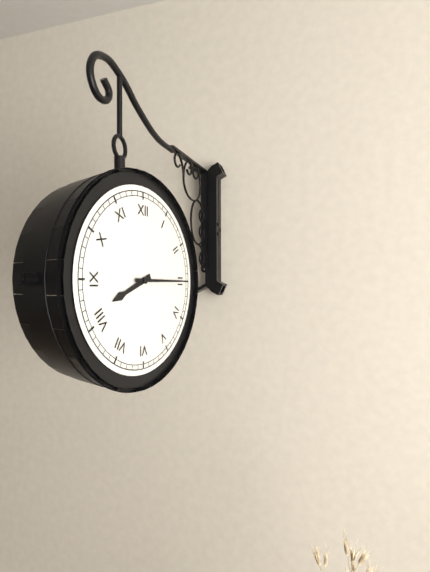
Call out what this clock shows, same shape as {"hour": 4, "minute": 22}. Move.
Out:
{"hour": 8, "minute": 15}
